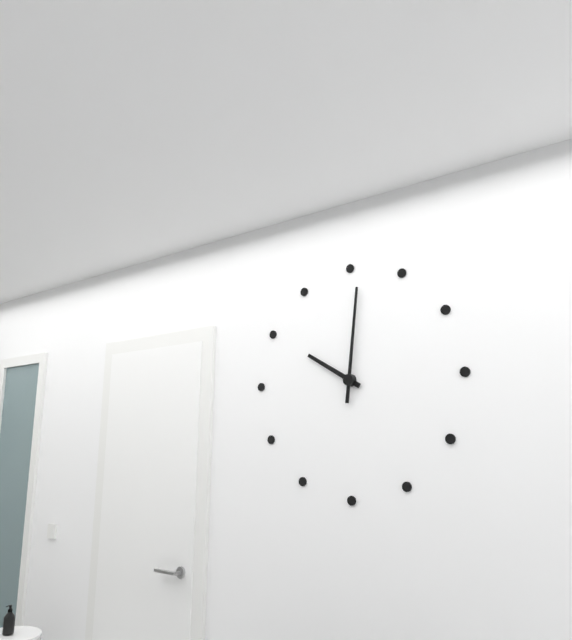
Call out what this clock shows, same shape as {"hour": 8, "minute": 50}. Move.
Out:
{"hour": 10, "minute": 1}
